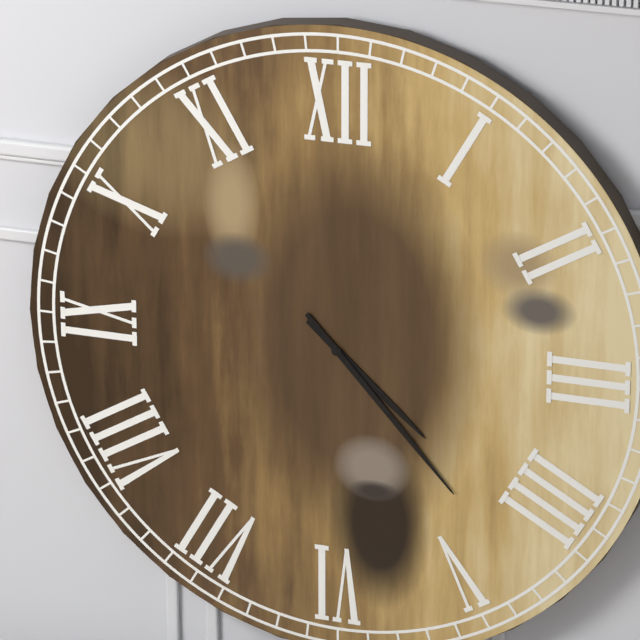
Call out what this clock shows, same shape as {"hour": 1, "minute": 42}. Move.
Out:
{"hour": 4, "minute": 23}
